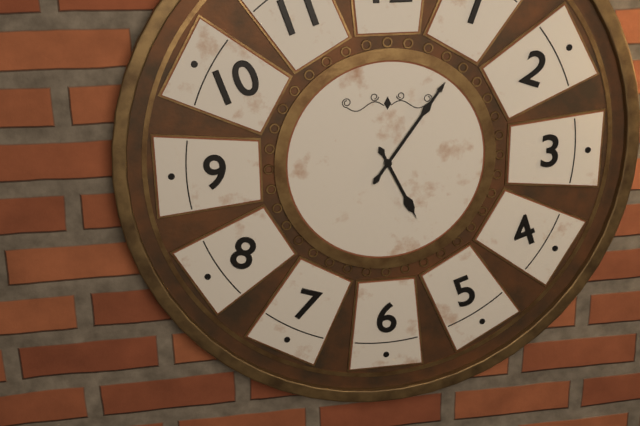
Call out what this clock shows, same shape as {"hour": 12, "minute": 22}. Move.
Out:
{"hour": 5, "minute": 6}
